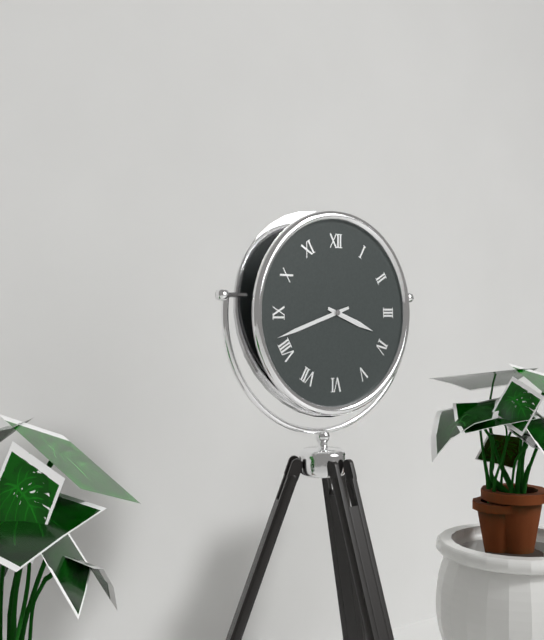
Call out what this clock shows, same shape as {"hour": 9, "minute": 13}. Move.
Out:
{"hour": 3, "minute": 42}
